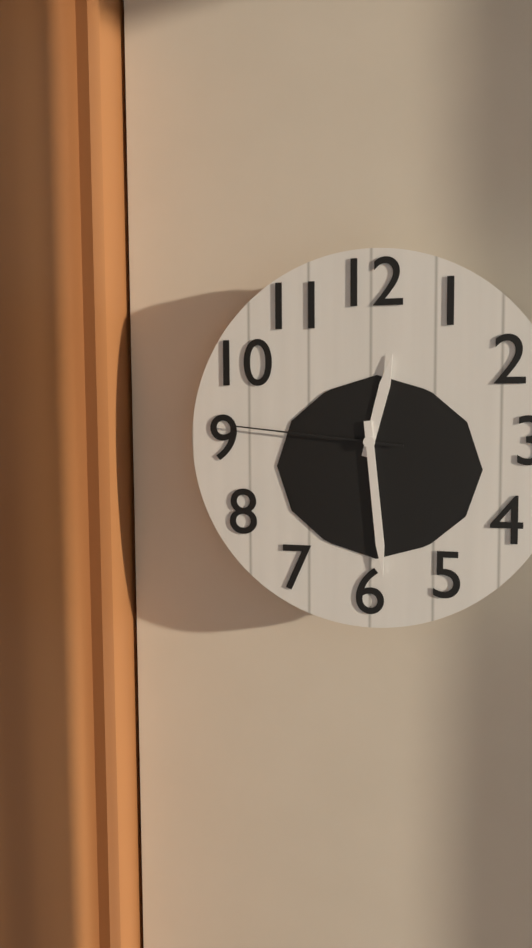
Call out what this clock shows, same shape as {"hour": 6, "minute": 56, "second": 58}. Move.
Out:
{"hour": 12, "minute": 29, "second": 46}
